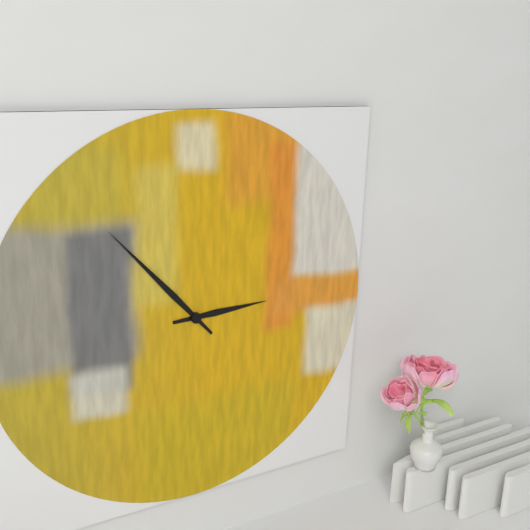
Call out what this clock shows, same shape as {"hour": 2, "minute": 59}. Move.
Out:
{"hour": 2, "minute": 53}
